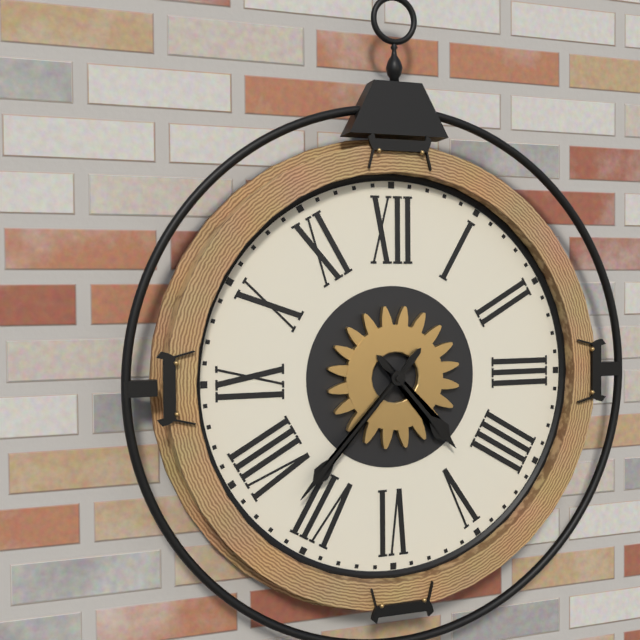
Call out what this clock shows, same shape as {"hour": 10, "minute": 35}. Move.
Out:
{"hour": 4, "minute": 37}
